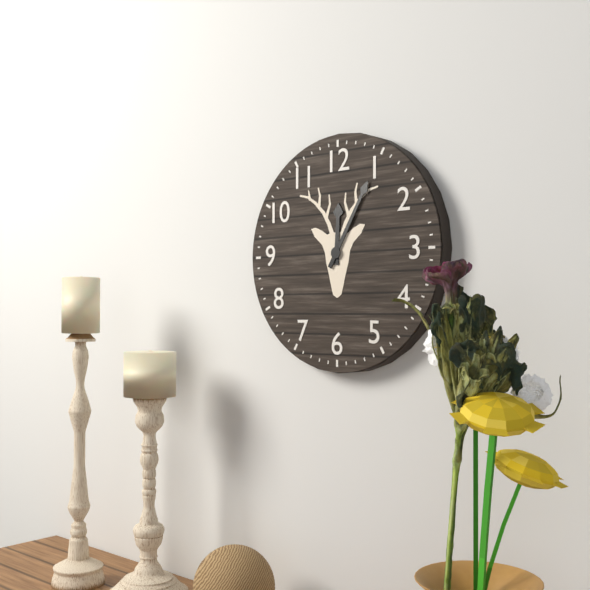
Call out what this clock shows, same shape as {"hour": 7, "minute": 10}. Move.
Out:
{"hour": 12, "minute": 5}
